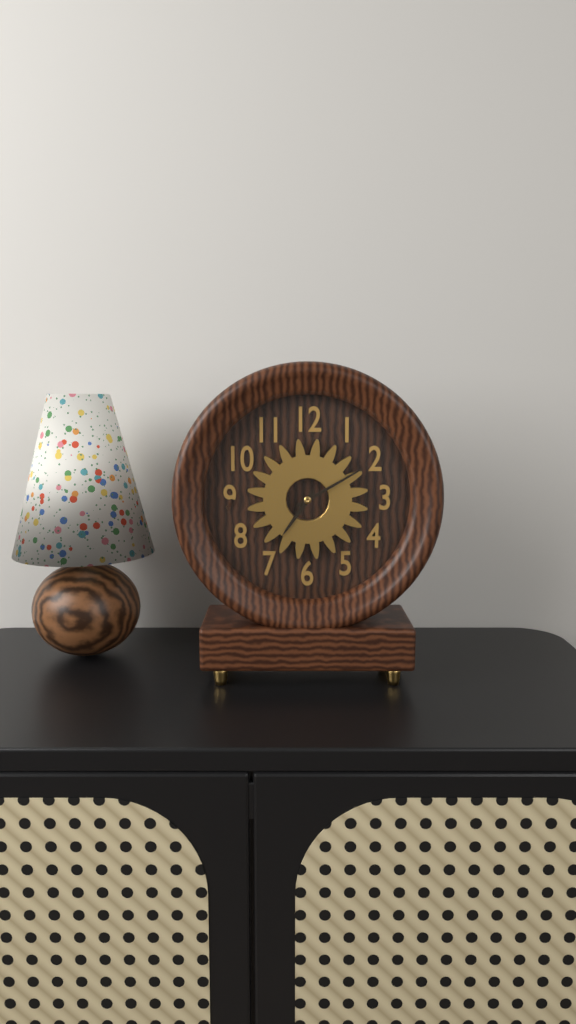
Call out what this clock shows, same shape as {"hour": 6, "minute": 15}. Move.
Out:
{"hour": 7, "minute": 10}
